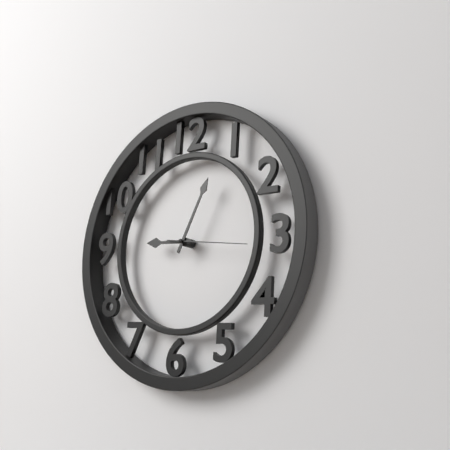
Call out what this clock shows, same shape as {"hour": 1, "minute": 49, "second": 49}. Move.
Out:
{"hour": 9, "minute": 4, "second": 16}
